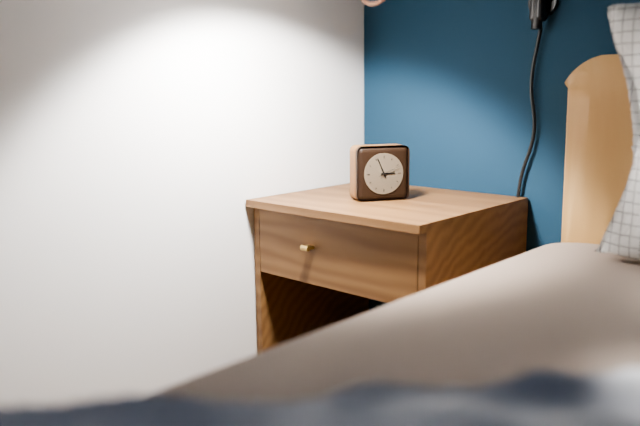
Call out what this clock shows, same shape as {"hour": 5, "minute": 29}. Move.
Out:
{"hour": 2, "minute": 56}
